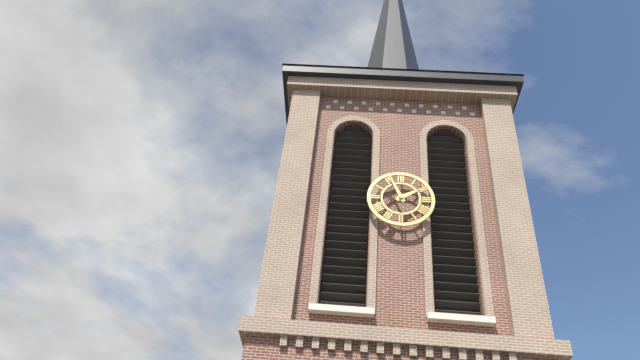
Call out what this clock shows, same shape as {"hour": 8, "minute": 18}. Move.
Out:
{"hour": 1, "minute": 56}
